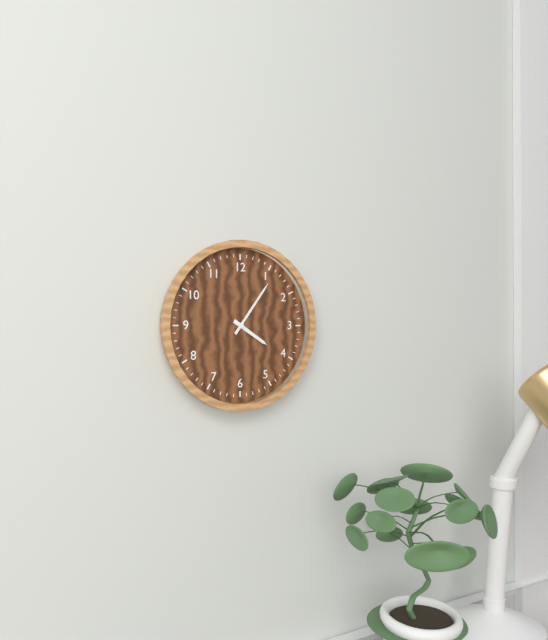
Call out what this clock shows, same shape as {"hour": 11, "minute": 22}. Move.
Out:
{"hour": 4, "minute": 6}
